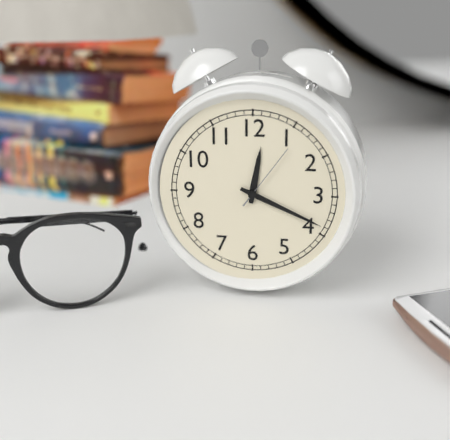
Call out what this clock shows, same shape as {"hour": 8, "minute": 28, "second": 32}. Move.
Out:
{"hour": 12, "minute": 19, "second": 6}
